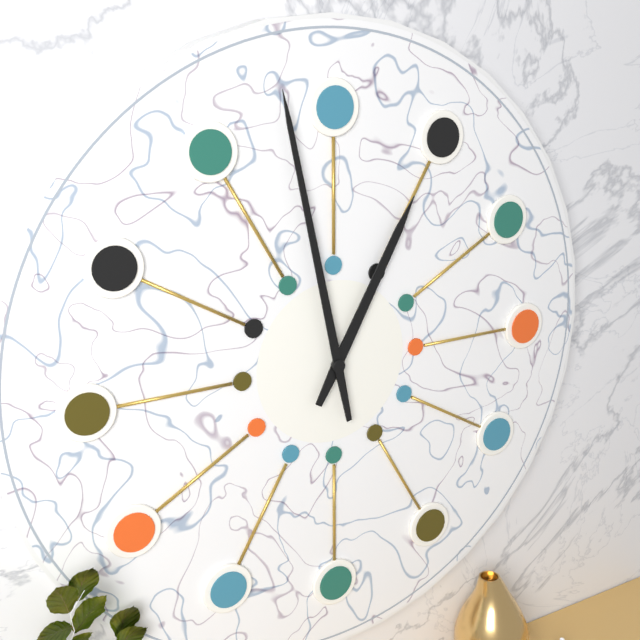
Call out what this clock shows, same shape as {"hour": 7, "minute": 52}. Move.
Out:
{"hour": 12, "minute": 58}
